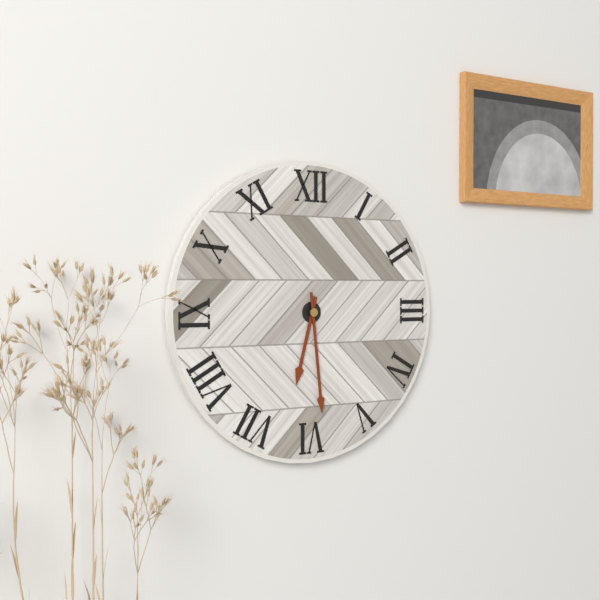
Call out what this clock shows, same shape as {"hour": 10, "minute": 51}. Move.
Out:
{"hour": 6, "minute": 29}
